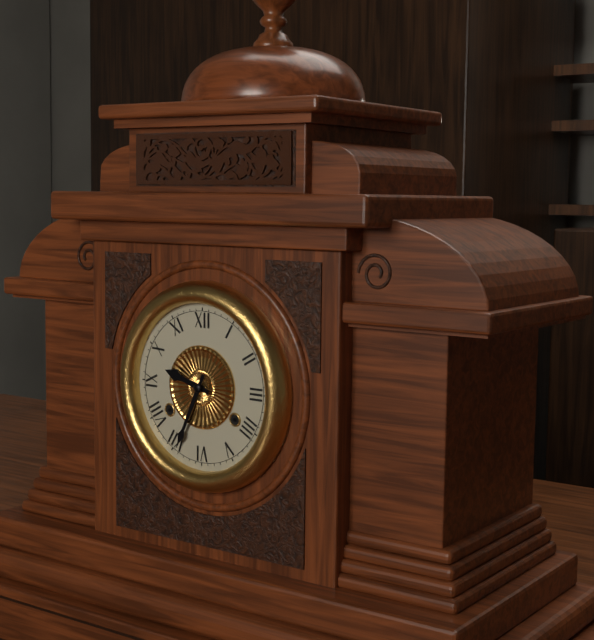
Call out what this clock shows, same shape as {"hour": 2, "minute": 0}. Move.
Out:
{"hour": 9, "minute": 34}
